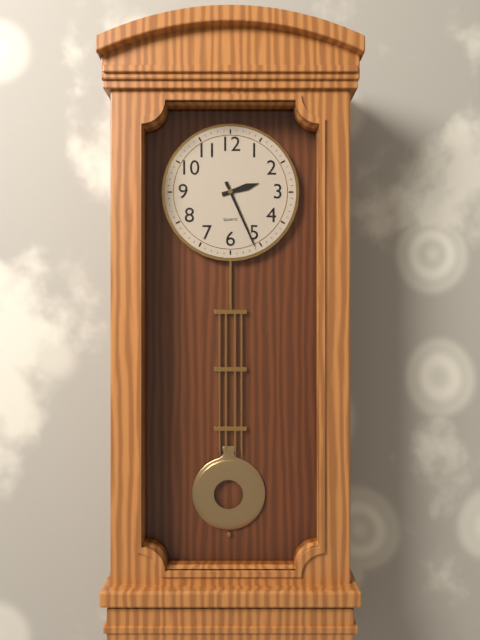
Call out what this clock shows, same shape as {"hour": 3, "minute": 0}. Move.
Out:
{"hour": 2, "minute": 26}
